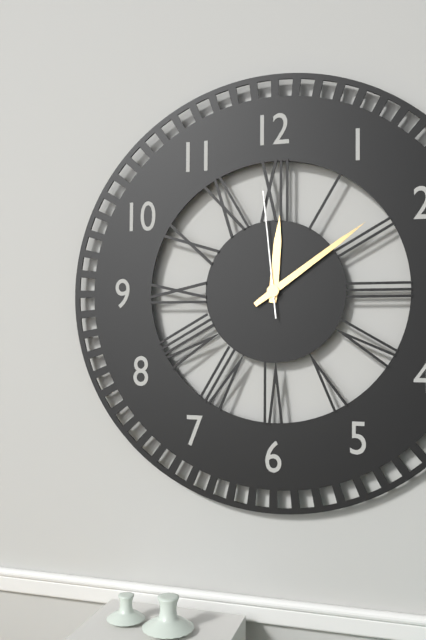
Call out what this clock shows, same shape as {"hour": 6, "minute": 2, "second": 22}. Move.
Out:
{"hour": 12, "minute": 9, "second": 59}
